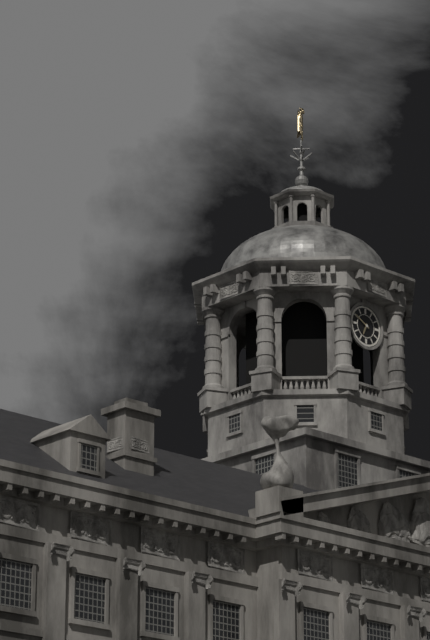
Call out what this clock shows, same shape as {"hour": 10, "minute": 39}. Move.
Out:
{"hour": 6, "minute": 50}
